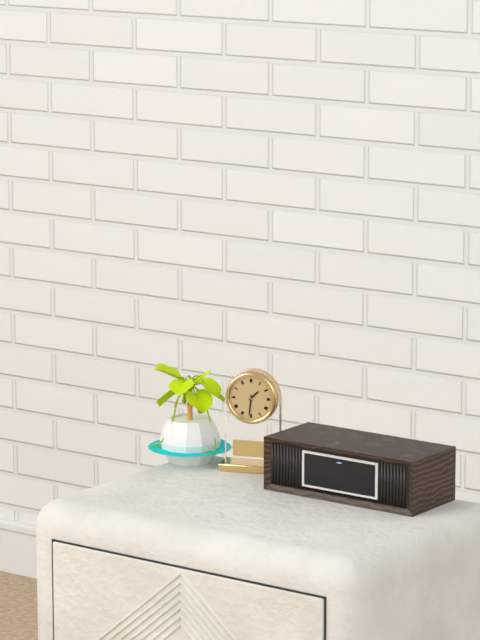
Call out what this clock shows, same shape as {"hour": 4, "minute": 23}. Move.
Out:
{"hour": 1, "minute": 31}
